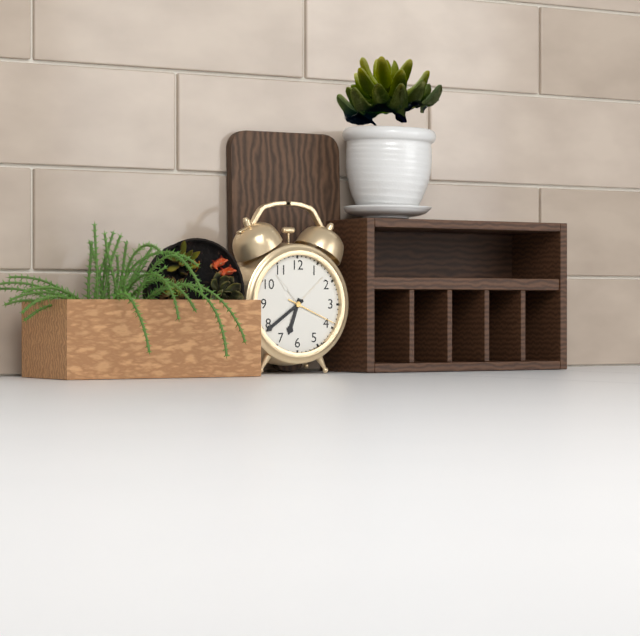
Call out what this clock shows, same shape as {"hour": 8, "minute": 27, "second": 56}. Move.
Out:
{"hour": 6, "minute": 39, "second": 19}
